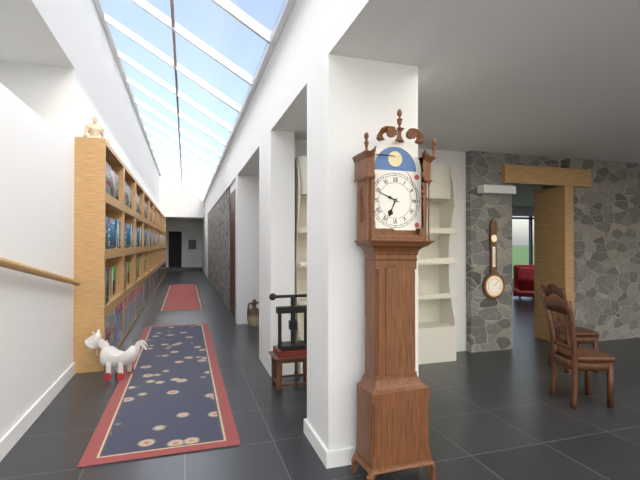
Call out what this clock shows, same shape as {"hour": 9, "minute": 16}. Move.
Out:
{"hour": 6, "minute": 49}
